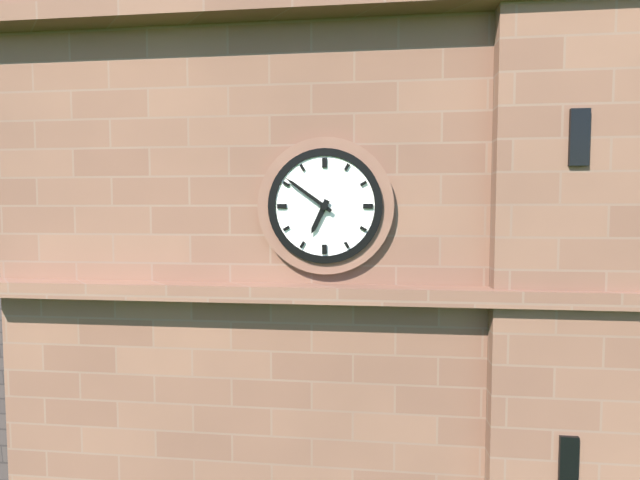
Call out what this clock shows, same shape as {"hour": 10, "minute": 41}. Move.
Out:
{"hour": 6, "minute": 51}
